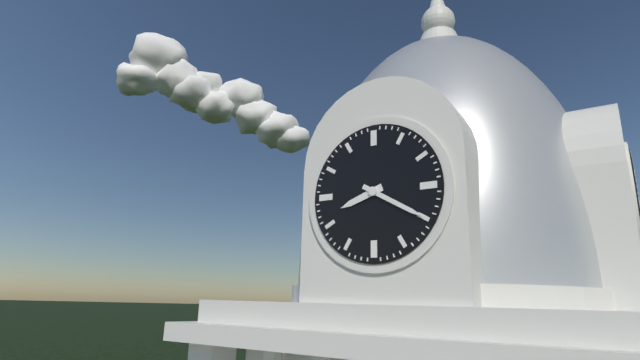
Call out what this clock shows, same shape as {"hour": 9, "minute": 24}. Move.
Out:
{"hour": 8, "minute": 20}
